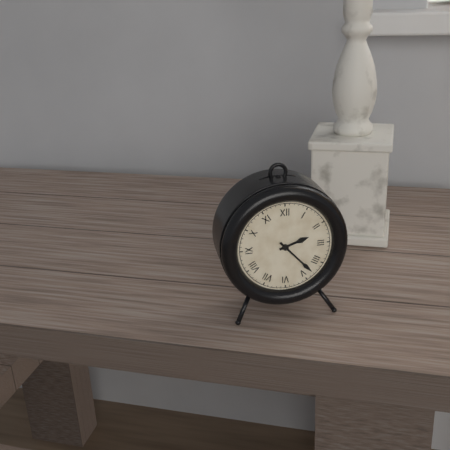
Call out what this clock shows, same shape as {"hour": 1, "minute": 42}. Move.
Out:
{"hour": 2, "minute": 23}
